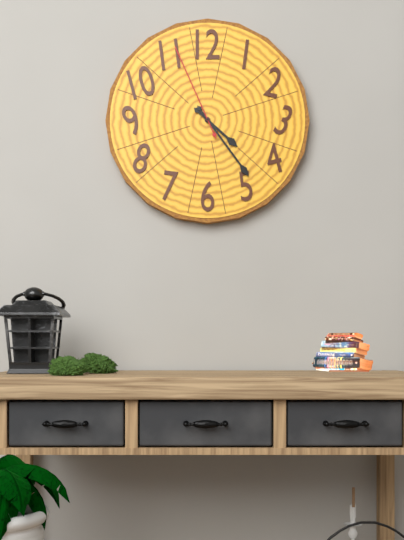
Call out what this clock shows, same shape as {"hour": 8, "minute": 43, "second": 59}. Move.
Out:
{"hour": 4, "minute": 24, "second": 56}
